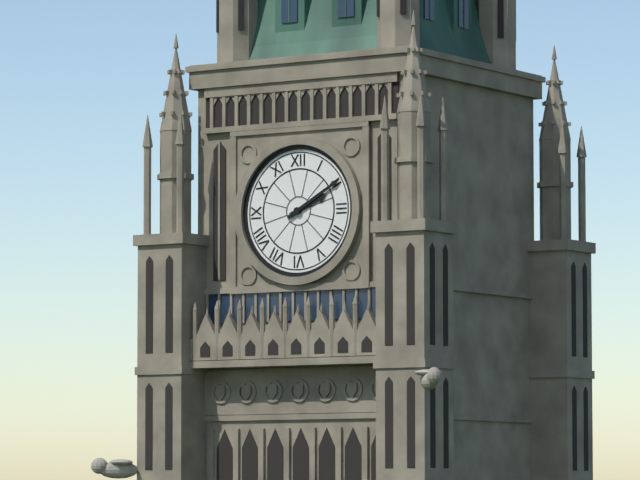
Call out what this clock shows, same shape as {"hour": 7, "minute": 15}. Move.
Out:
{"hour": 2, "minute": 10}
